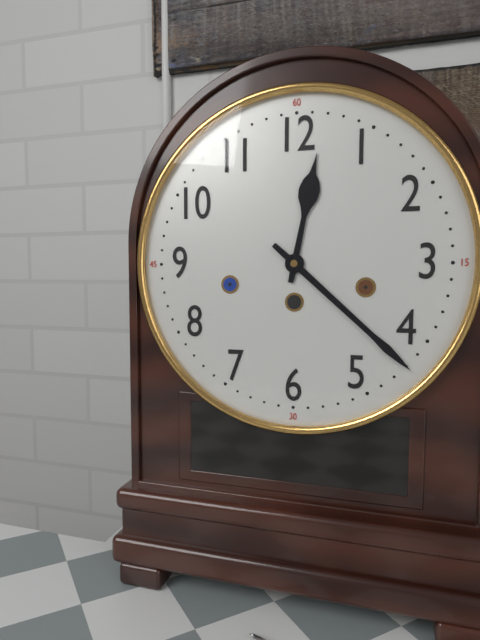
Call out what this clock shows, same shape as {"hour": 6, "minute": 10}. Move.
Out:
{"hour": 12, "minute": 22}
